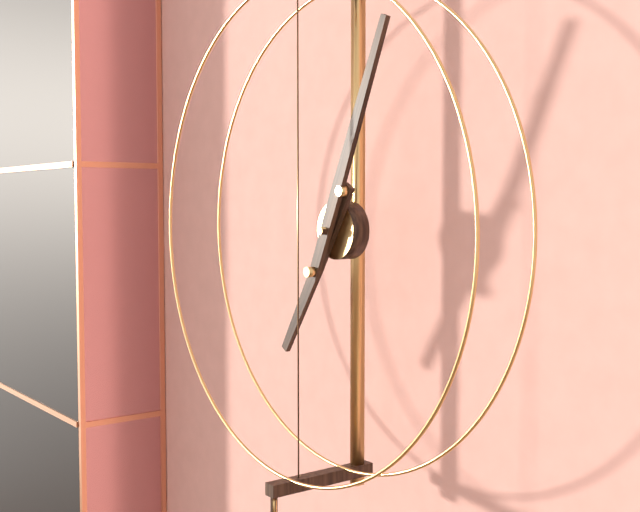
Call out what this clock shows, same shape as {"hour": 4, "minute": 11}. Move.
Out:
{"hour": 7, "minute": 4}
